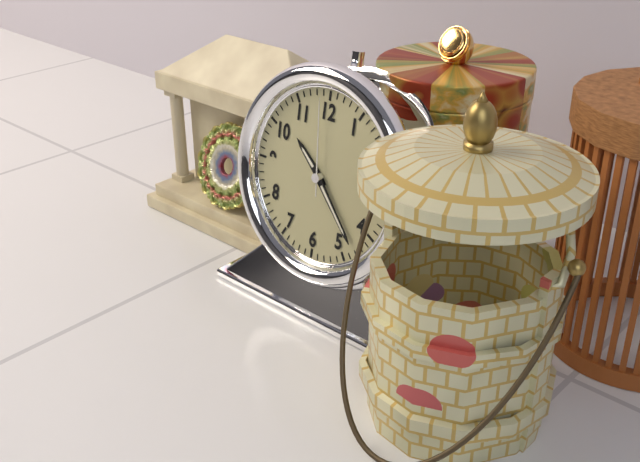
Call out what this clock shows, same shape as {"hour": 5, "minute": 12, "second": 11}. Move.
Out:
{"hour": 10, "minute": 23, "second": 59}
